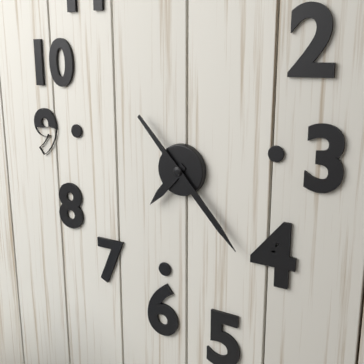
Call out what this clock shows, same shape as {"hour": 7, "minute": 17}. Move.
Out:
{"hour": 7, "minute": 23}
